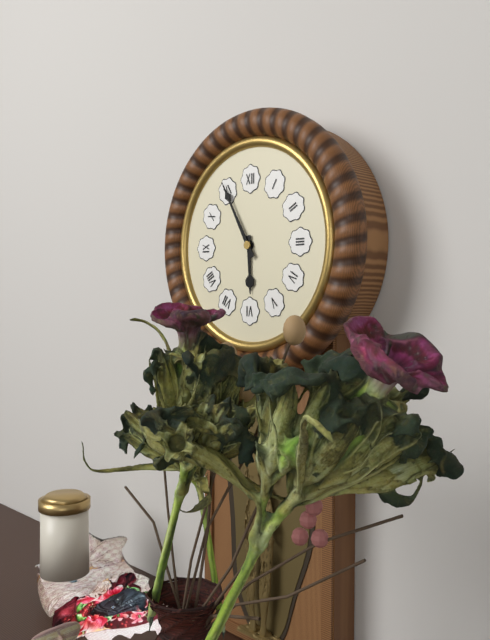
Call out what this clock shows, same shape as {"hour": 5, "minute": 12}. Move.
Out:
{"hour": 5, "minute": 55}
